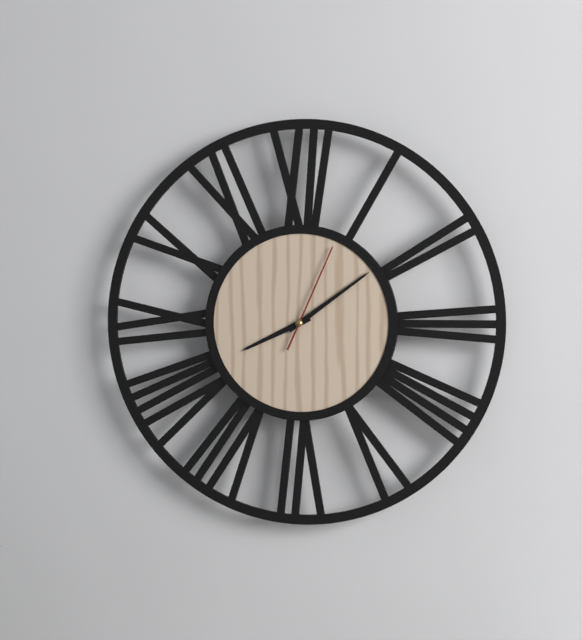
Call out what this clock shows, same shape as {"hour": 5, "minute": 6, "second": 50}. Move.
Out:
{"hour": 8, "minute": 9, "second": 4}
